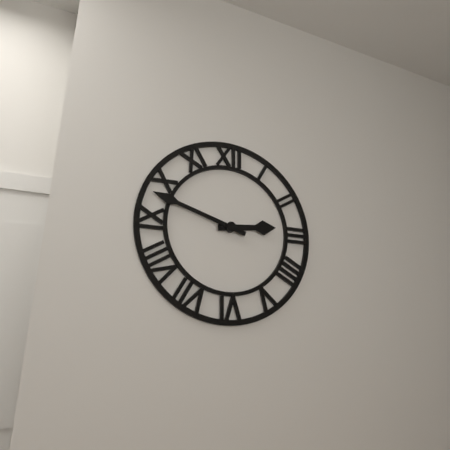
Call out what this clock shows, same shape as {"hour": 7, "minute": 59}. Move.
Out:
{"hour": 2, "minute": 48}
